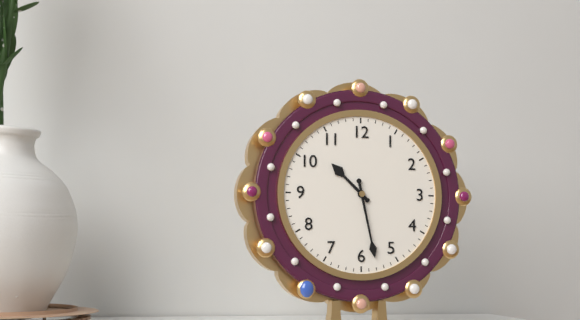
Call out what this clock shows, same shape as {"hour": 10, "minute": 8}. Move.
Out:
{"hour": 10, "minute": 28}
